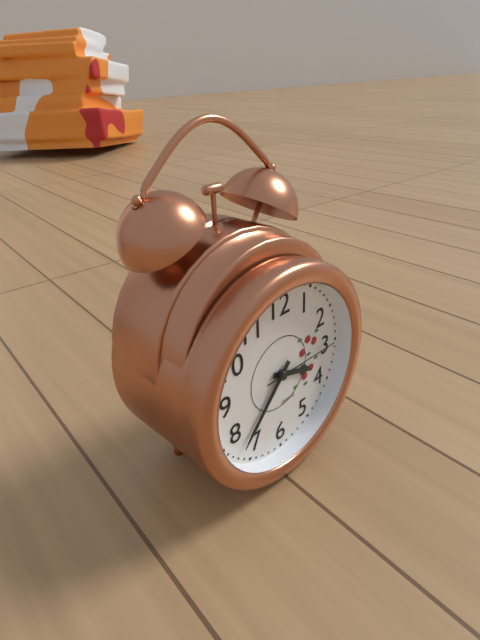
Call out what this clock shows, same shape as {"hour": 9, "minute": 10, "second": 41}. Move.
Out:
{"hour": 3, "minute": 37, "second": 15}
